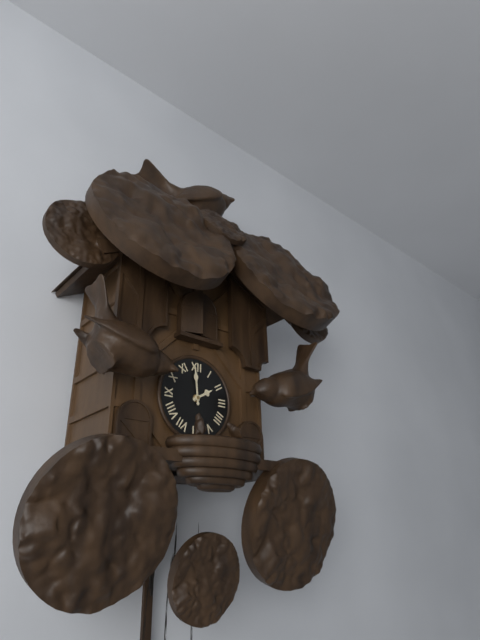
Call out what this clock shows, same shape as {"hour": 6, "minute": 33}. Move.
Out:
{"hour": 1, "minute": 59}
